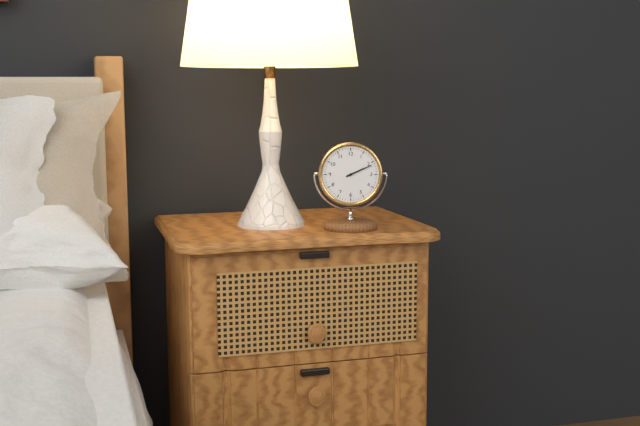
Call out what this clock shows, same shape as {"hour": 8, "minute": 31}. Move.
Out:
{"hour": 2, "minute": 11}
